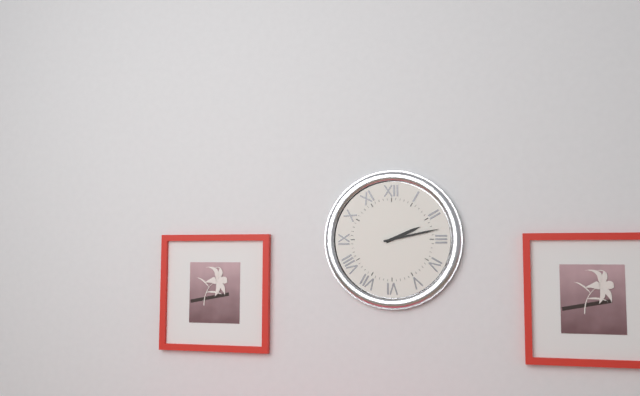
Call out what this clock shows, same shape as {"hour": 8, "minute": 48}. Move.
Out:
{"hour": 2, "minute": 13}
